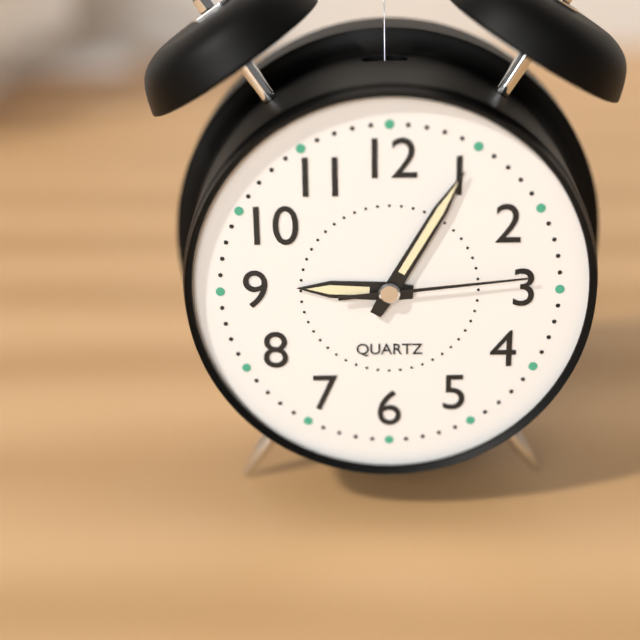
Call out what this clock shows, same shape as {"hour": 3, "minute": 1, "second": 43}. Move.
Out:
{"hour": 9, "minute": 5, "second": 14}
